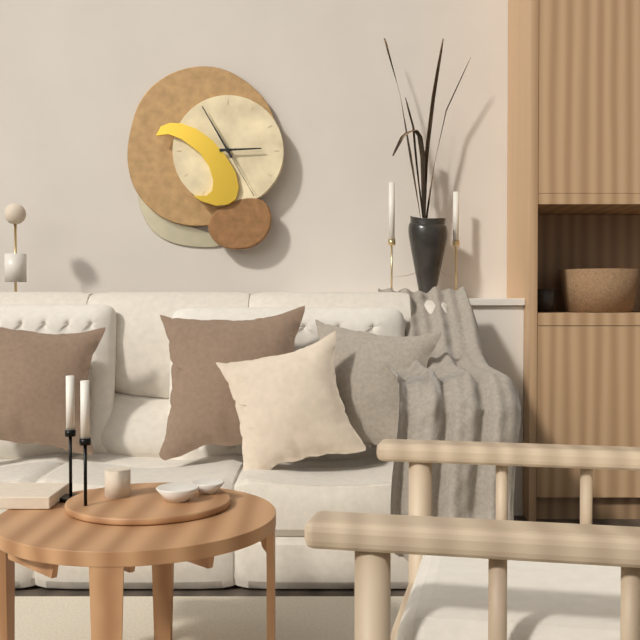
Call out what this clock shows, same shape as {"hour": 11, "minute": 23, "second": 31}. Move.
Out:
{"hour": 2, "minute": 55, "second": 25}
